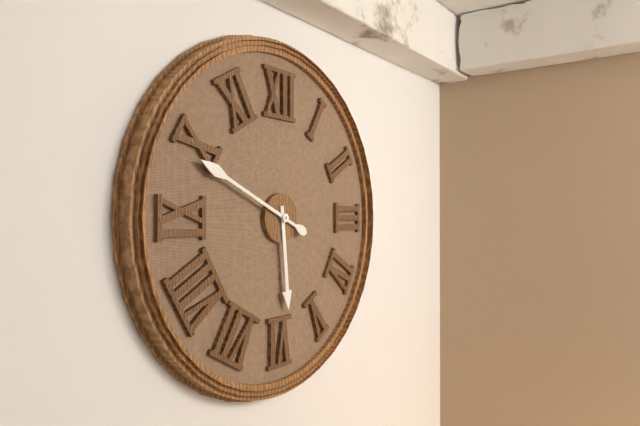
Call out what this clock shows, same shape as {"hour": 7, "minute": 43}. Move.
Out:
{"hour": 5, "minute": 49}
